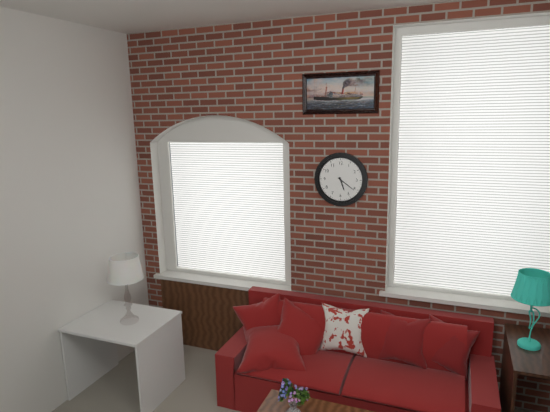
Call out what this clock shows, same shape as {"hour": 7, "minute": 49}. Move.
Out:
{"hour": 5, "minute": 21}
